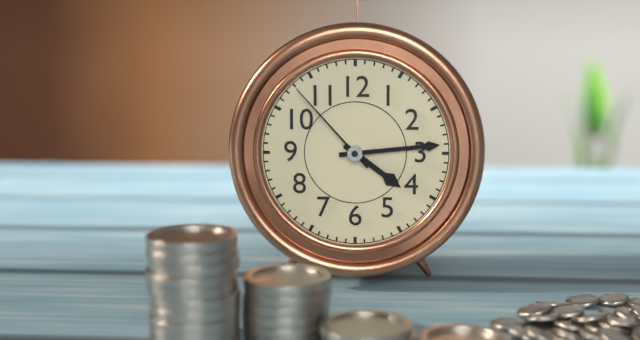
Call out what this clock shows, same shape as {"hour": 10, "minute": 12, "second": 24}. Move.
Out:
{"hour": 4, "minute": 14, "second": 53}
